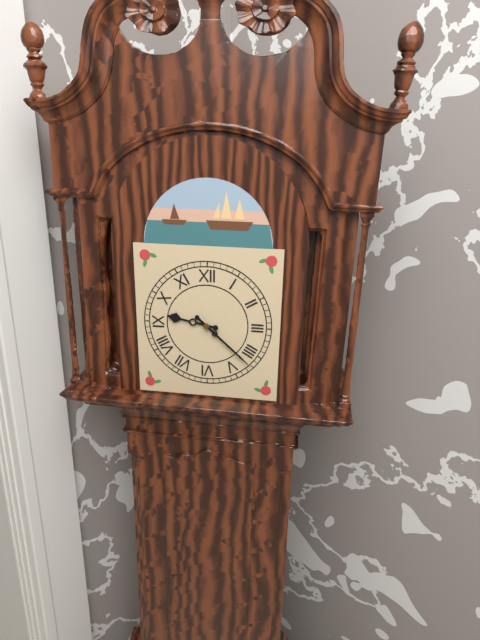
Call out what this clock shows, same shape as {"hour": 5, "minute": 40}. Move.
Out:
{"hour": 9, "minute": 22}
